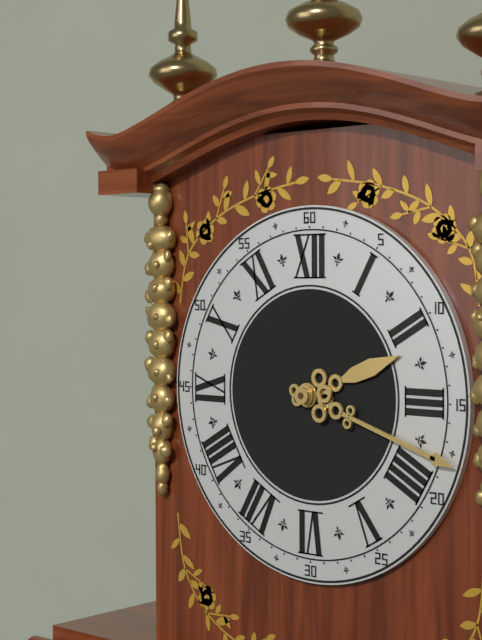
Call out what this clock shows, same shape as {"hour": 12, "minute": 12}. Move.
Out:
{"hour": 2, "minute": 18}
